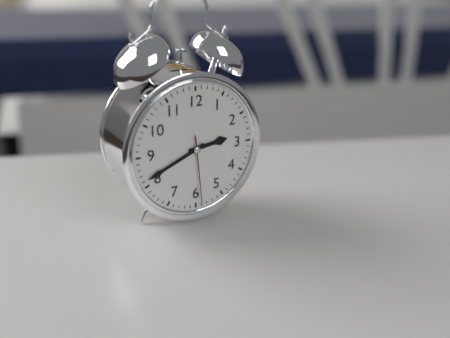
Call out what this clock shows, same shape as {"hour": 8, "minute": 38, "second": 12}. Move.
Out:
{"hour": 2, "minute": 41, "second": 29}
